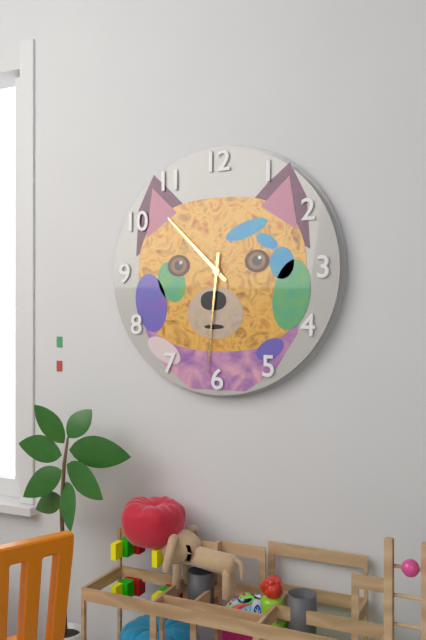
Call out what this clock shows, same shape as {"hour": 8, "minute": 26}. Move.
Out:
{"hour": 10, "minute": 31}
